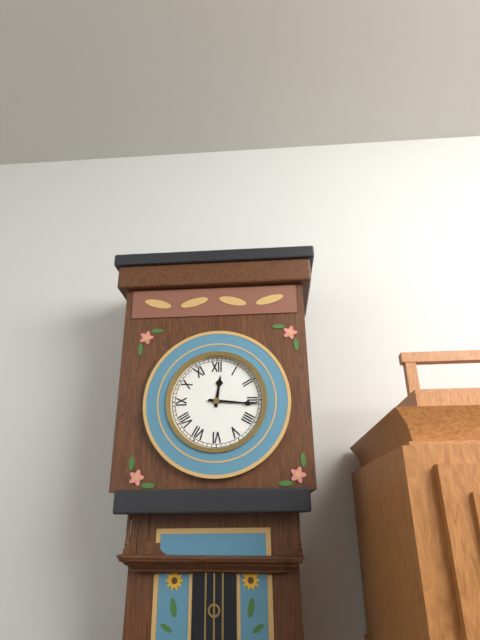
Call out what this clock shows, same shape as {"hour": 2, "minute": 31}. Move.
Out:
{"hour": 12, "minute": 16}
